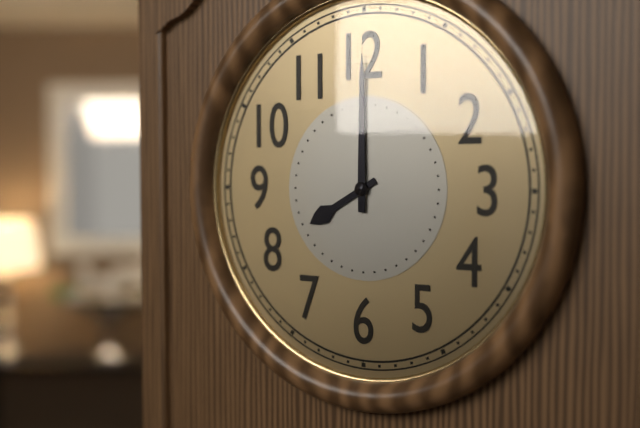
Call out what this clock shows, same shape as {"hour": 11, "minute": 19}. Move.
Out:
{"hour": 8, "minute": 0}
